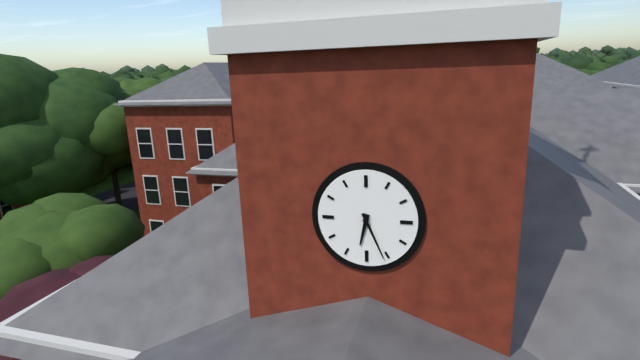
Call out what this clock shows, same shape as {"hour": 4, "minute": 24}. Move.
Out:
{"hour": 6, "minute": 26}
